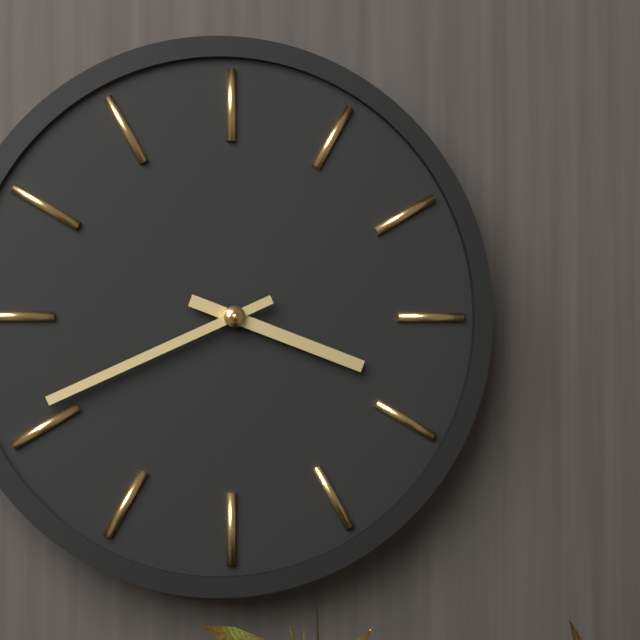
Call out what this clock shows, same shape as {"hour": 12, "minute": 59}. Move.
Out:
{"hour": 3, "minute": 41}
